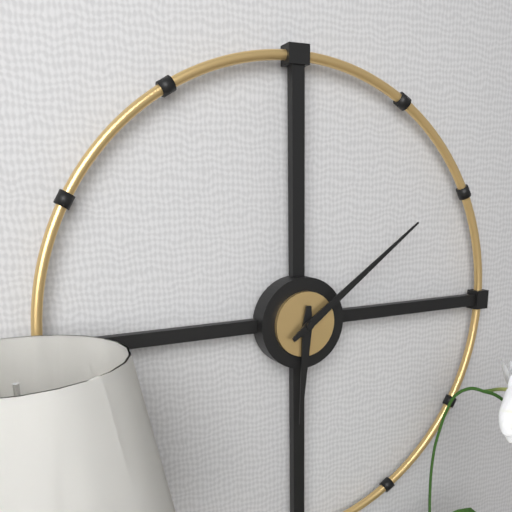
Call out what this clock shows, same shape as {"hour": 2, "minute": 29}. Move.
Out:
{"hour": 6, "minute": 9}
